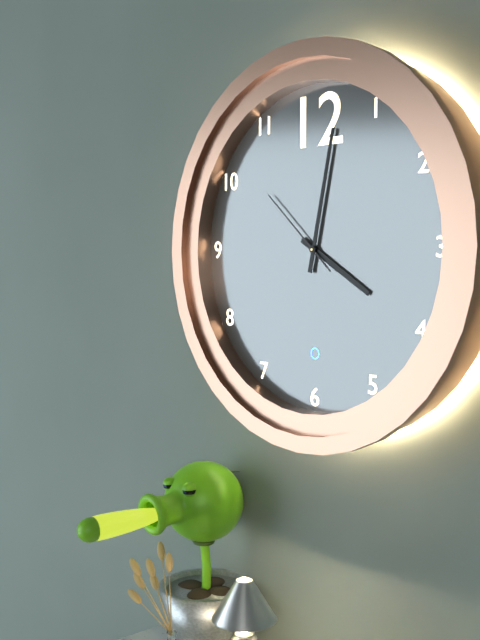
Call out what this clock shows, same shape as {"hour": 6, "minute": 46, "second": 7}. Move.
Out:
{"hour": 4, "minute": 2, "second": 52}
